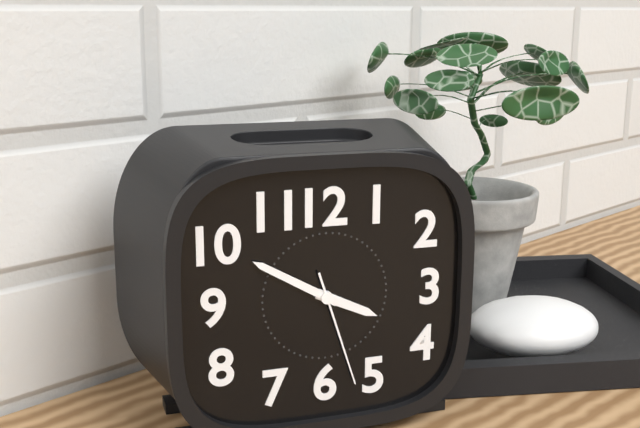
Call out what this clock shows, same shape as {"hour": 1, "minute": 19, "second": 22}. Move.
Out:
{"hour": 3, "minute": 50, "second": 27}
